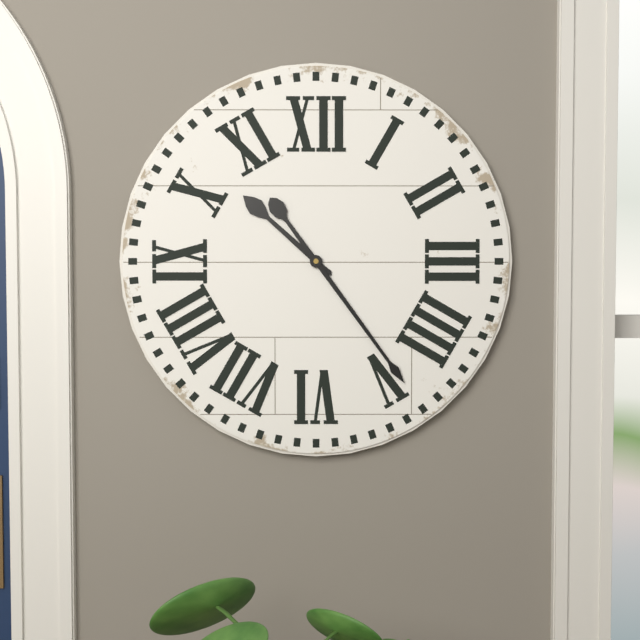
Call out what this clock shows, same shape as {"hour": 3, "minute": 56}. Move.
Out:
{"hour": 10, "minute": 24}
